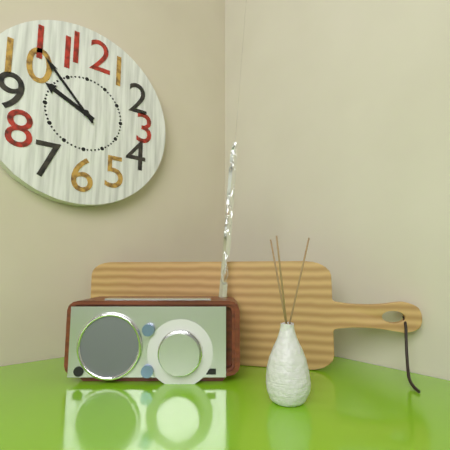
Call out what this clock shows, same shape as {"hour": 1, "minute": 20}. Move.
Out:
{"hour": 9, "minute": 53}
